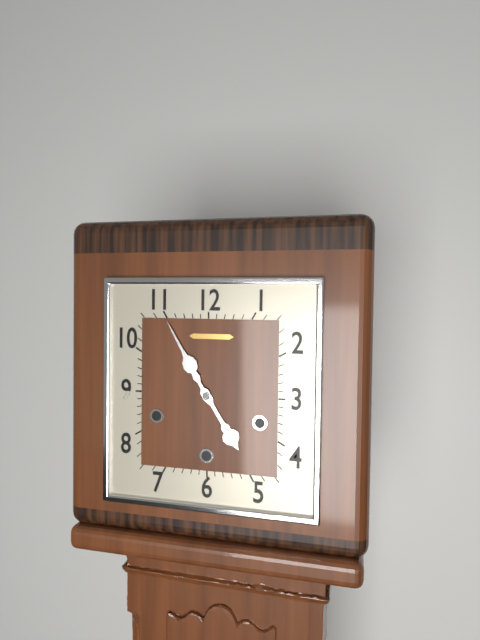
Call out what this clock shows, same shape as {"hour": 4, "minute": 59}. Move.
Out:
{"hour": 4, "minute": 55}
